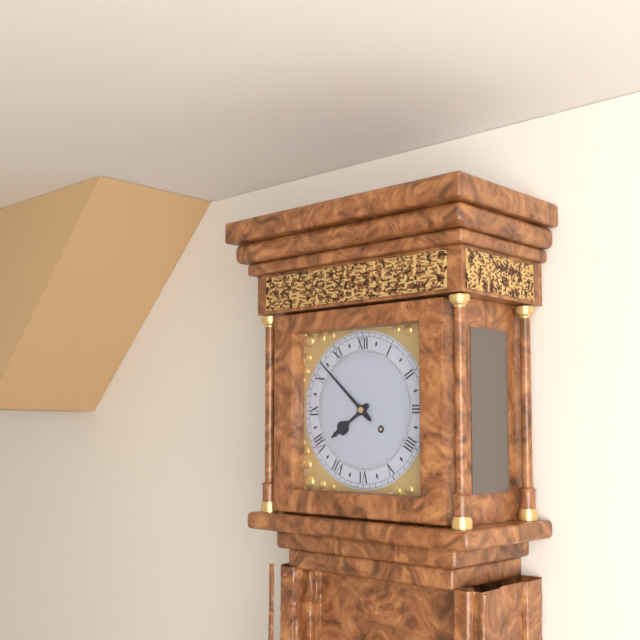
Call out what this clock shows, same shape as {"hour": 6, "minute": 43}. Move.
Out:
{"hour": 7, "minute": 52}
